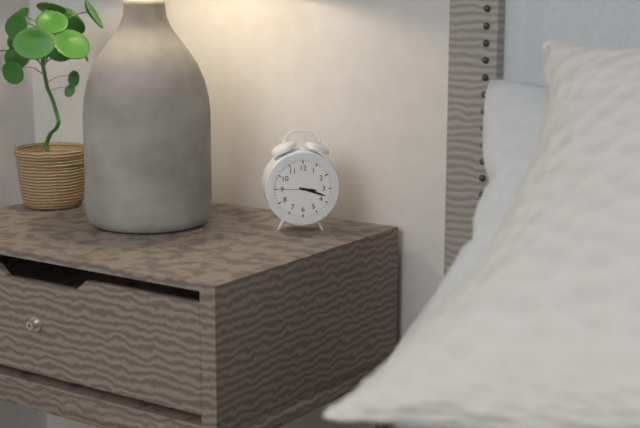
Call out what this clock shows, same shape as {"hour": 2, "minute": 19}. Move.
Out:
{"hour": 3, "minute": 18}
